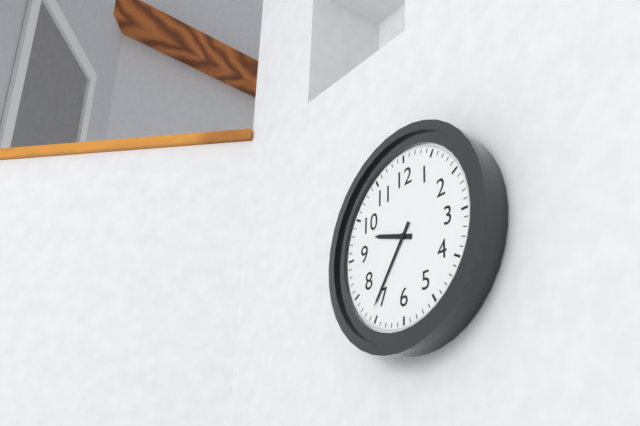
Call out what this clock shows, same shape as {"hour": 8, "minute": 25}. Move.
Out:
{"hour": 9, "minute": 36}
